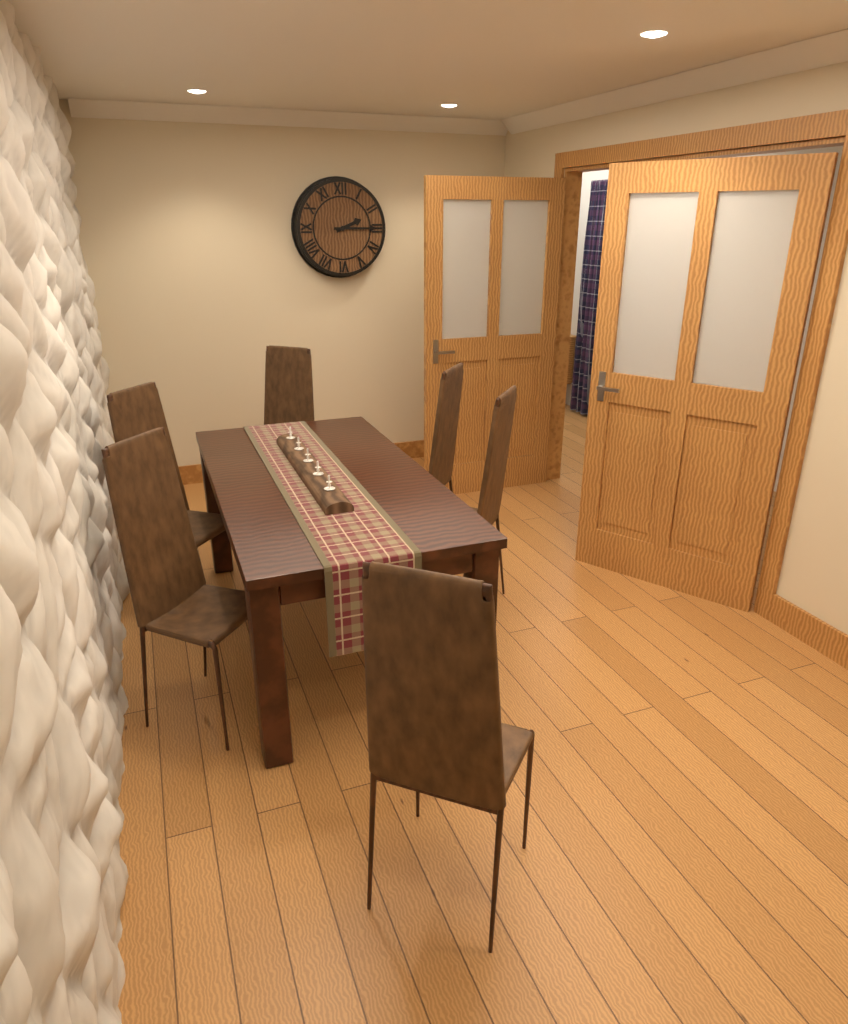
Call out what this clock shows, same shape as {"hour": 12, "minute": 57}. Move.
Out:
{"hour": 2, "minute": 15}
